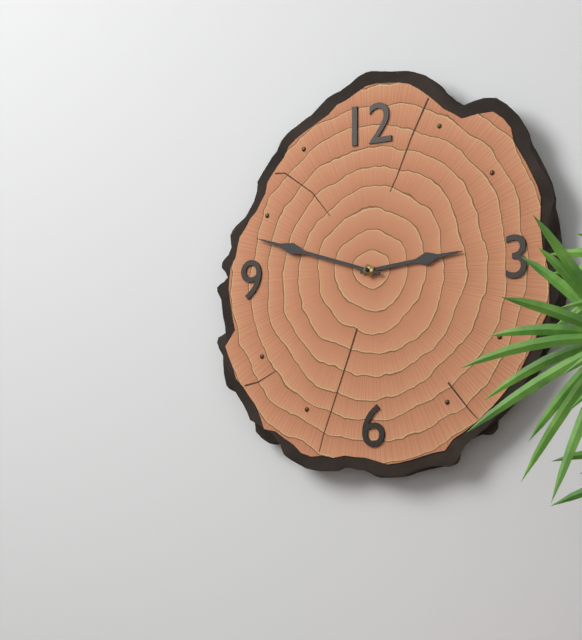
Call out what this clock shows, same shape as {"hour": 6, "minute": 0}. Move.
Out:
{"hour": 2, "minute": 48}
